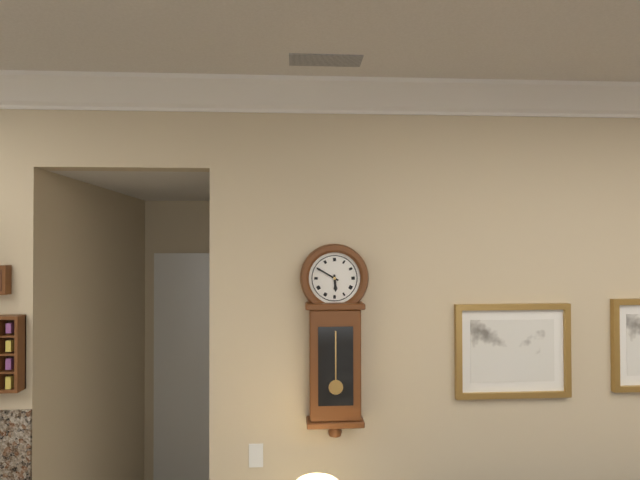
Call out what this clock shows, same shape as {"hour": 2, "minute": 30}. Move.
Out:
{"hour": 5, "minute": 50}
